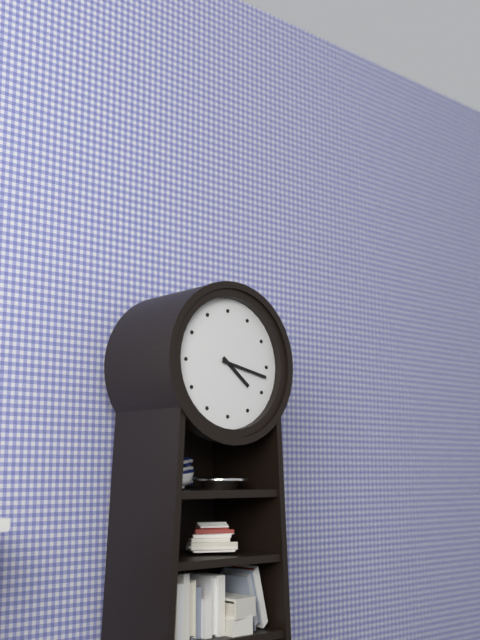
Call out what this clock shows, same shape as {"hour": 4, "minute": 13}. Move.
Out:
{"hour": 4, "minute": 17}
